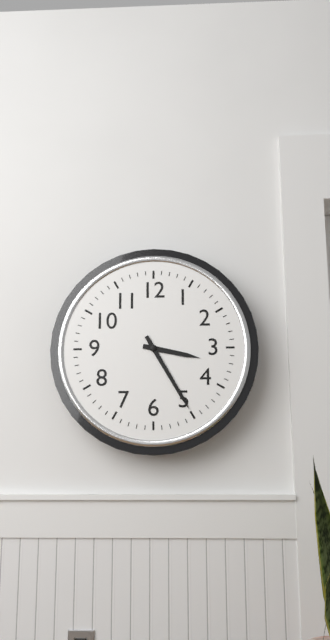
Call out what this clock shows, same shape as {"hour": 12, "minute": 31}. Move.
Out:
{"hour": 3, "minute": 25}
